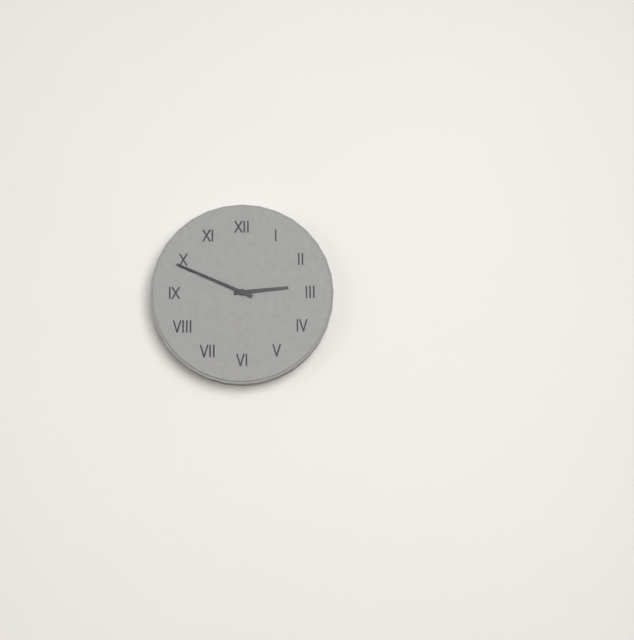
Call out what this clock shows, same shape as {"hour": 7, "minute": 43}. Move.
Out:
{"hour": 2, "minute": 49}
